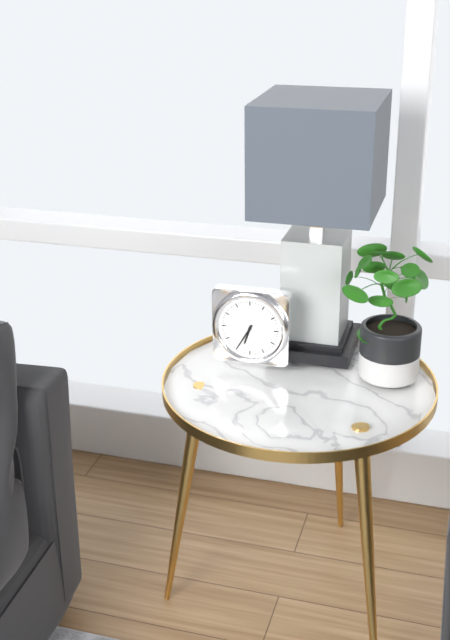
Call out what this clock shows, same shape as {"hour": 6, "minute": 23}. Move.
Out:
{"hour": 6, "minute": 35}
